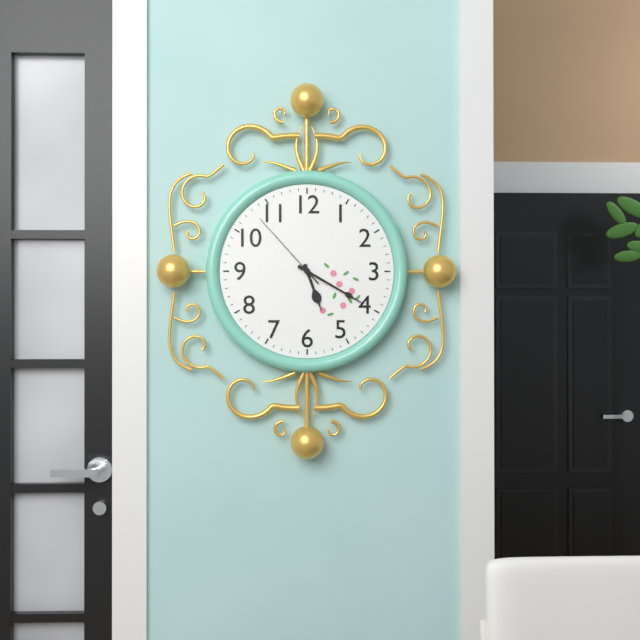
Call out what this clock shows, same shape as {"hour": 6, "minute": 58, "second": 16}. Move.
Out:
{"hour": 5, "minute": 20, "second": 53}
